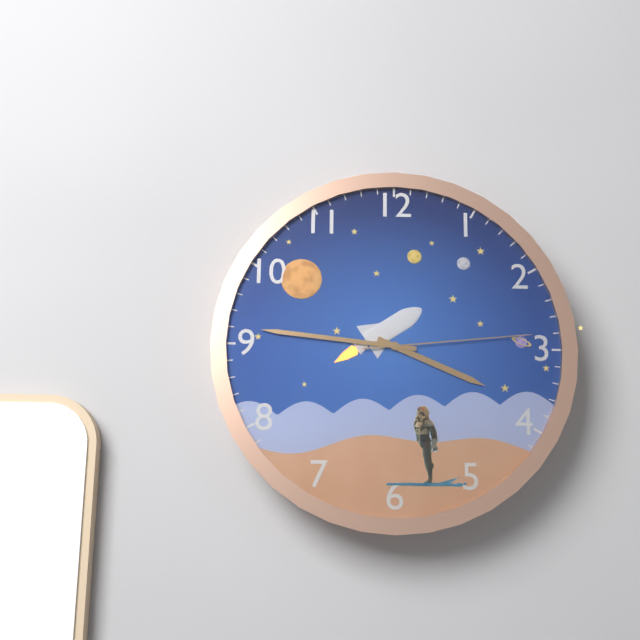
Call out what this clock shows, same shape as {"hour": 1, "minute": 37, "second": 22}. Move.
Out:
{"hour": 3, "minute": 46, "second": 14}
